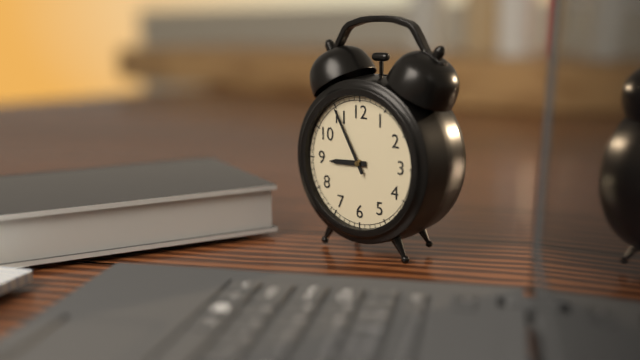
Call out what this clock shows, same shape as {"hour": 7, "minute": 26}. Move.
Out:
{"hour": 8, "minute": 55}
